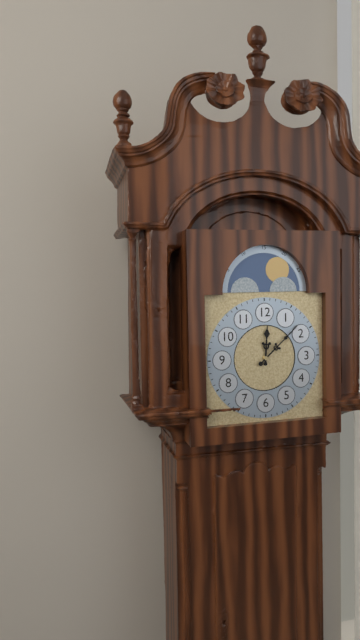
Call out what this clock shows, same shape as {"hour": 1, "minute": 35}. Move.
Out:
{"hour": 12, "minute": 8}
